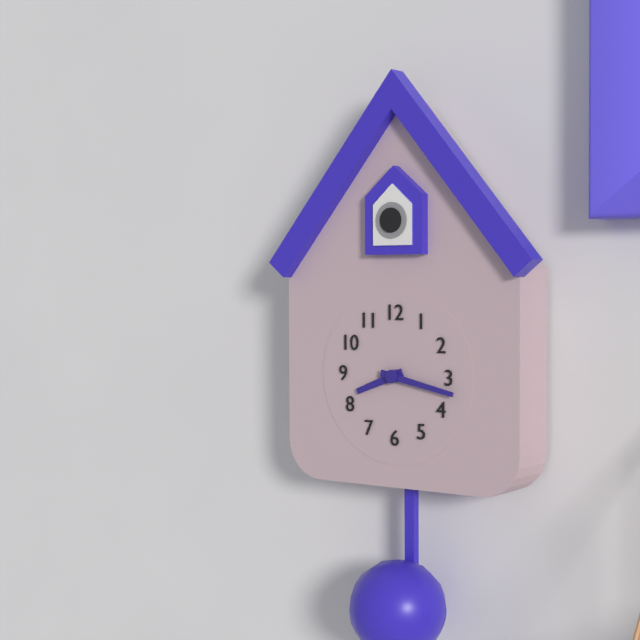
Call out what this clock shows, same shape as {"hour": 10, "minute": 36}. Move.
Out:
{"hour": 8, "minute": 17}
